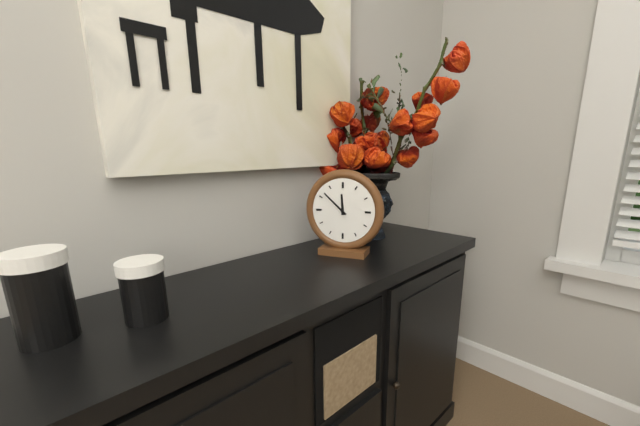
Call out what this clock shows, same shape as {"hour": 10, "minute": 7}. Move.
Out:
{"hour": 11, "minute": 52}
